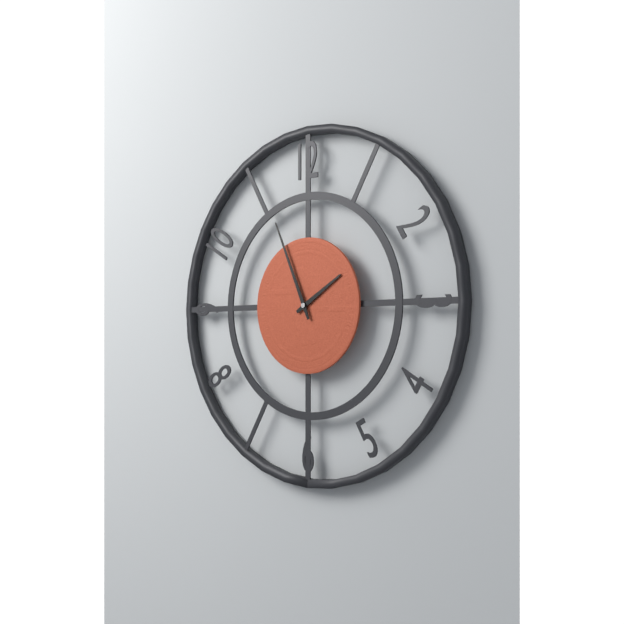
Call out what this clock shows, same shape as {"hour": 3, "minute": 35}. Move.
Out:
{"hour": 1, "minute": 56}
